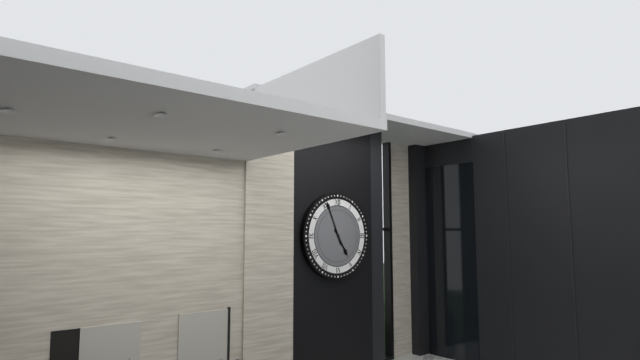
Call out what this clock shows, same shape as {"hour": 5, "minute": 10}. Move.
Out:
{"hour": 4, "minute": 56}
